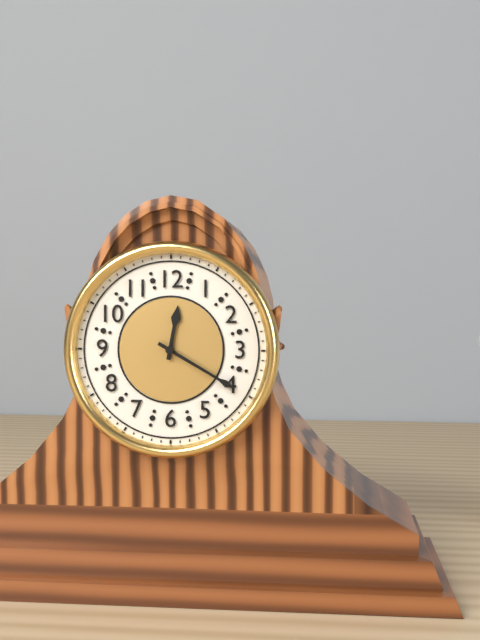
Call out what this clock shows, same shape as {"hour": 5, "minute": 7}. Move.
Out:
{"hour": 12, "minute": 20}
